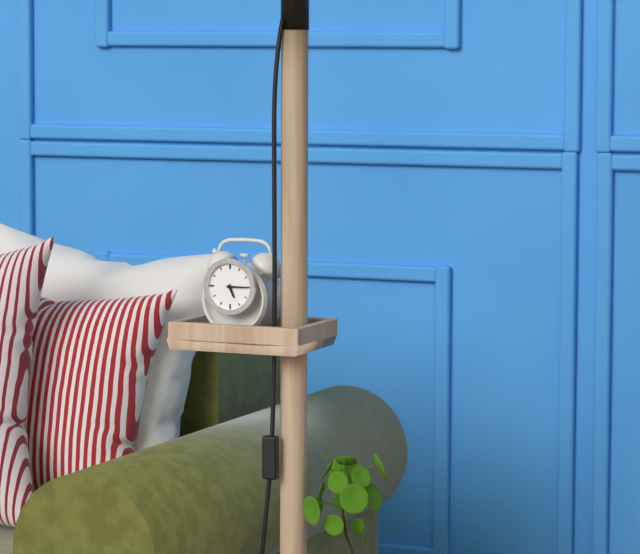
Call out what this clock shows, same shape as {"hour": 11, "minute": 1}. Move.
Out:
{"hour": 5, "minute": 15}
